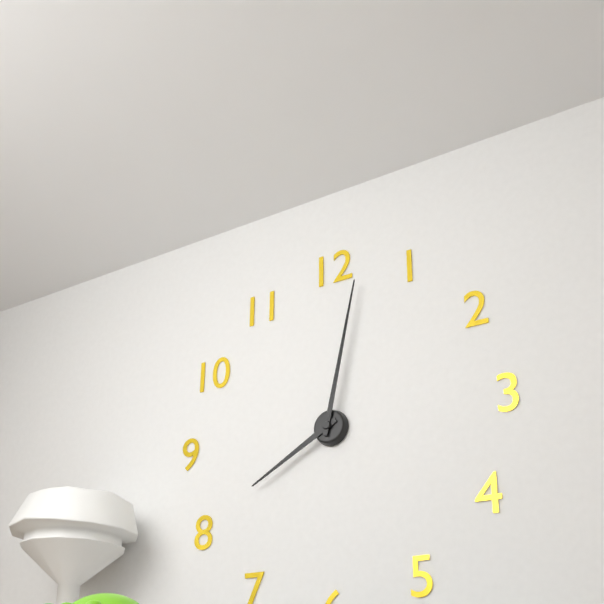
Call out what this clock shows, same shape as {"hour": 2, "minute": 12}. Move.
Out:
{"hour": 8, "minute": 2}
